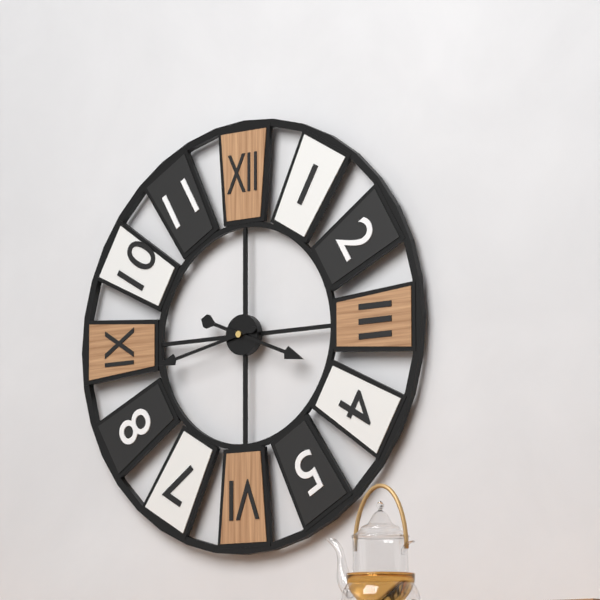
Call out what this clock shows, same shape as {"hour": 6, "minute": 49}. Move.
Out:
{"hour": 3, "minute": 43}
